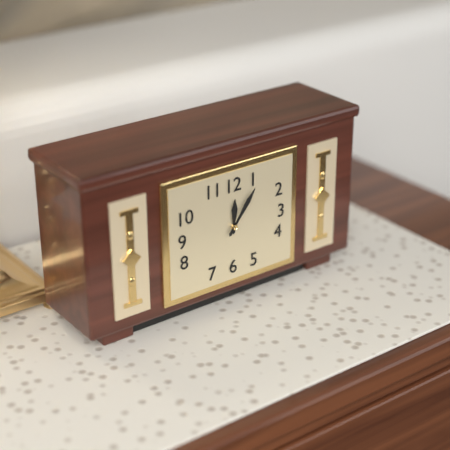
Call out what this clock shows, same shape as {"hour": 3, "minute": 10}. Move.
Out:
{"hour": 12, "minute": 6}
